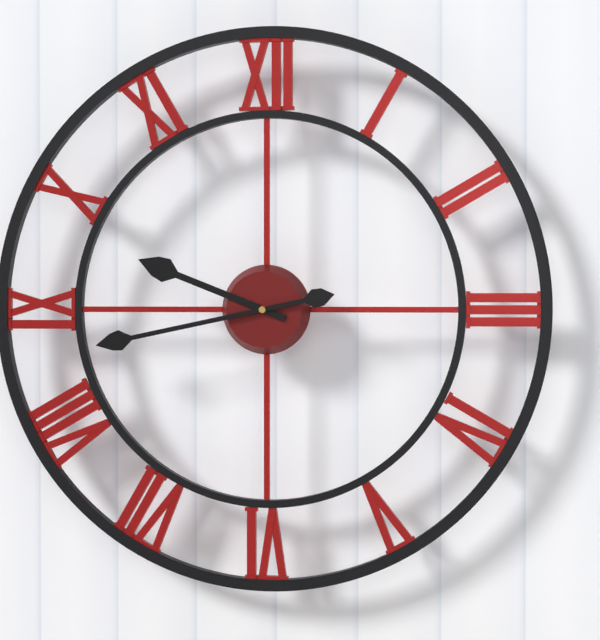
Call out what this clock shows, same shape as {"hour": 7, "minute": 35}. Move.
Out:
{"hour": 9, "minute": 43}
